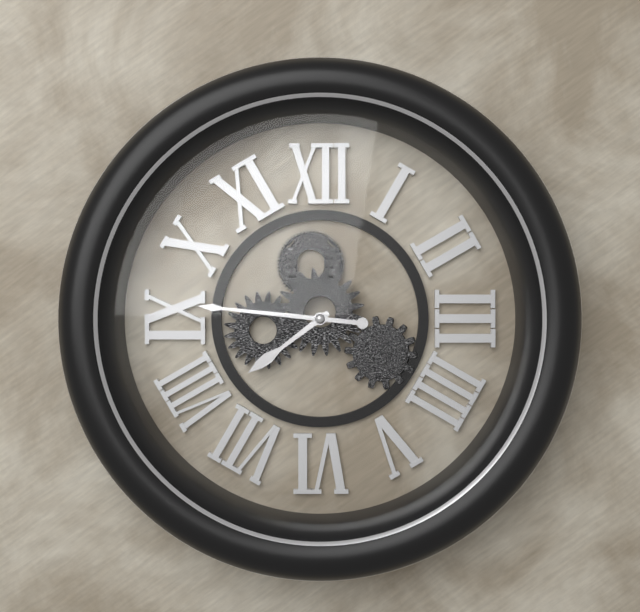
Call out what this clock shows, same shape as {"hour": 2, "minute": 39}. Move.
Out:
{"hour": 7, "minute": 46}
